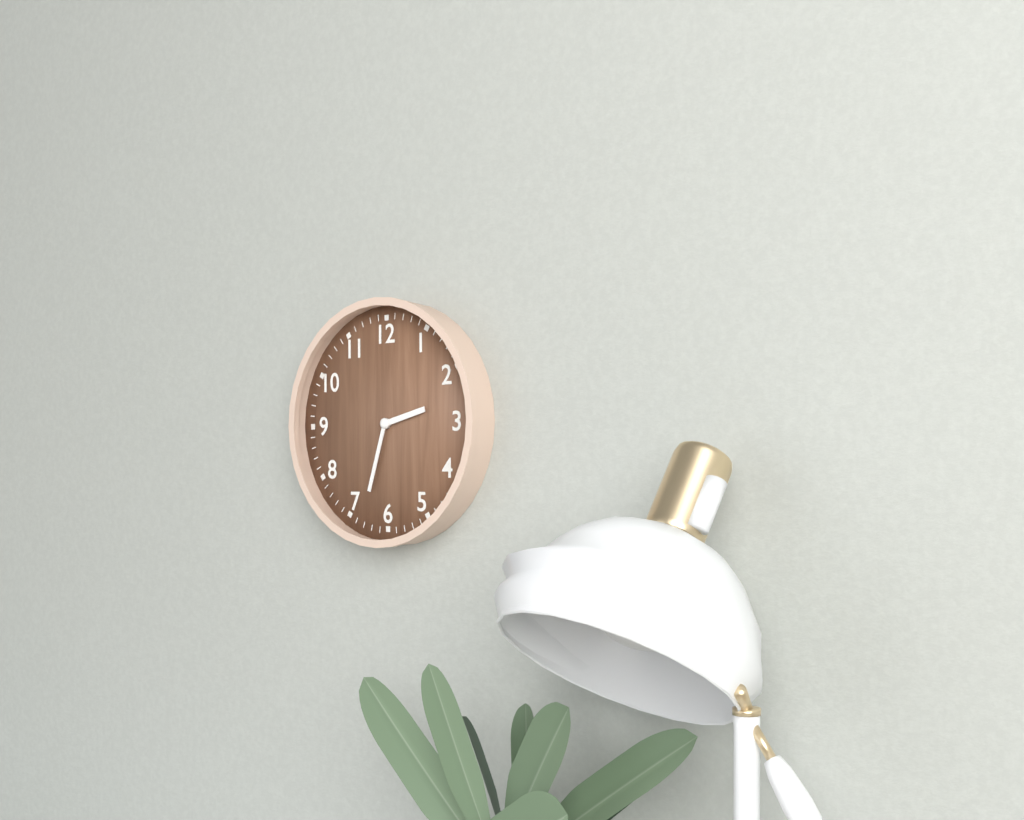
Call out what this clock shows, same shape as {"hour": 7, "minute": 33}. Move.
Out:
{"hour": 2, "minute": 33}
